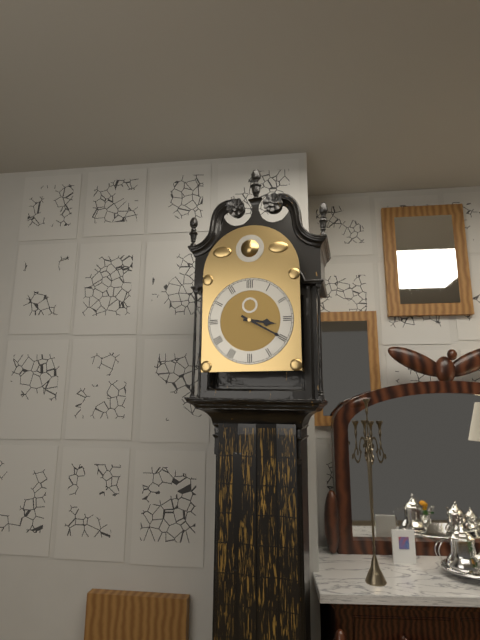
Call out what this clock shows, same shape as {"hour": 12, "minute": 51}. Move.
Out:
{"hour": 3, "minute": 20}
